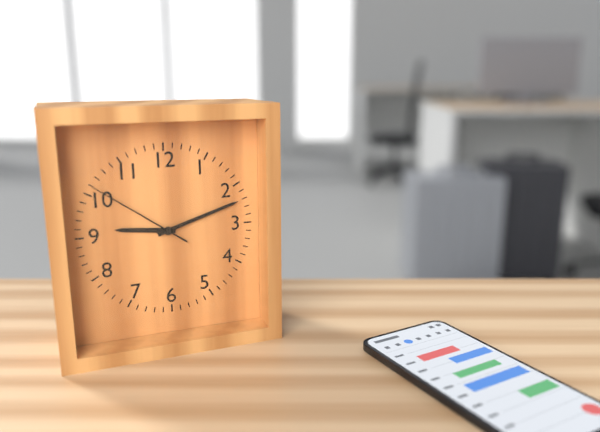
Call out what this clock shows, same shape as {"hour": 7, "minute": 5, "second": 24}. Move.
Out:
{"hour": 9, "minute": 12, "second": 51}
